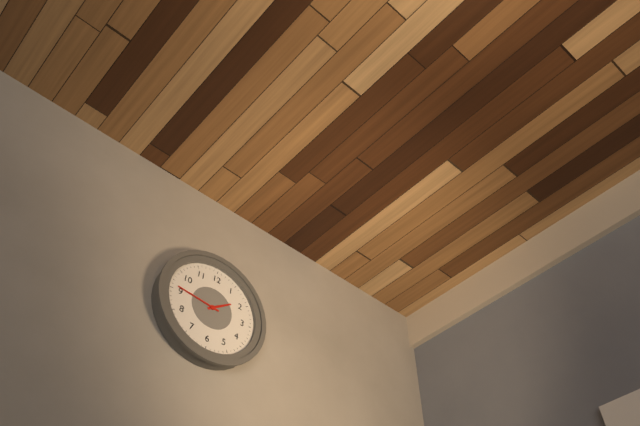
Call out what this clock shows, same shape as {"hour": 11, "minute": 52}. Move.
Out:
{"hour": 1, "minute": 46}
